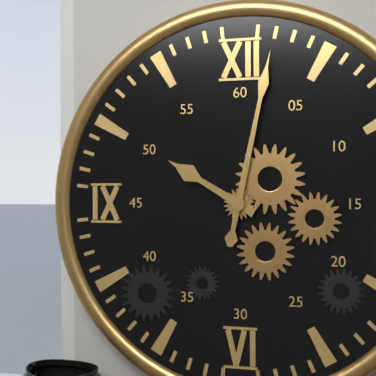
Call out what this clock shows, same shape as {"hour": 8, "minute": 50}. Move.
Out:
{"hour": 10, "minute": 2}
